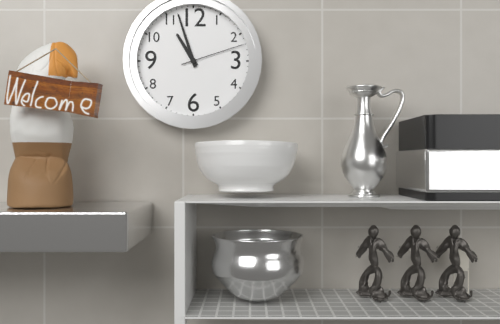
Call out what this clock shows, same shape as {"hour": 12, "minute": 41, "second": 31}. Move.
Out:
{"hour": 10, "minute": 57, "second": 12}
